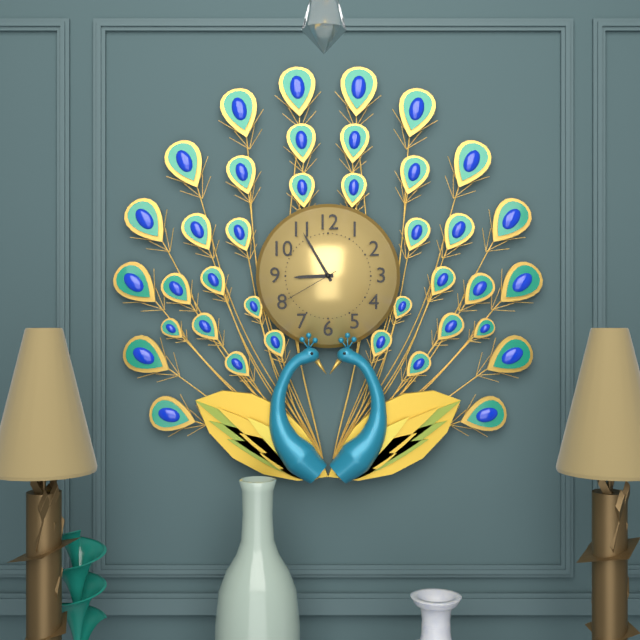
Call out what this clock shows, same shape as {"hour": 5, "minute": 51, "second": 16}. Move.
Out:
{"hour": 8, "minute": 55, "second": 40}
